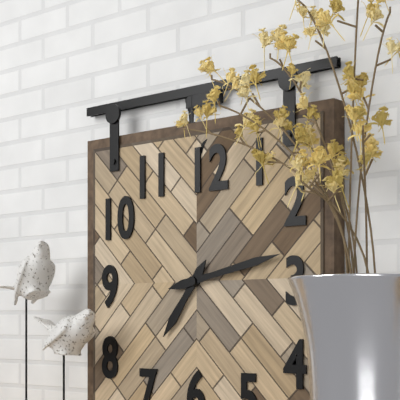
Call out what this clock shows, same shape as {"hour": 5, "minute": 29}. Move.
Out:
{"hour": 7, "minute": 13}
